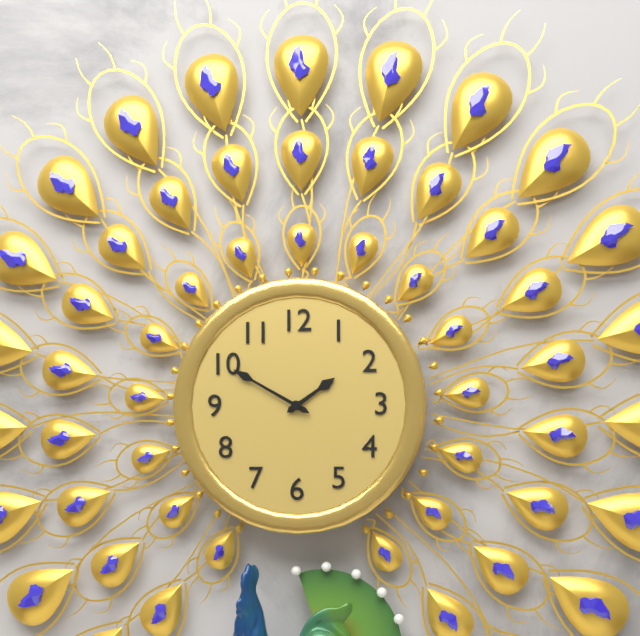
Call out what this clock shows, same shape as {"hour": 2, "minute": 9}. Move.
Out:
{"hour": 1, "minute": 50}
